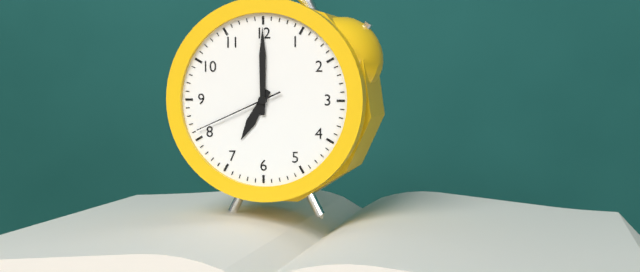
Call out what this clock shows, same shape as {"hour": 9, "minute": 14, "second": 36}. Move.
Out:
{"hour": 7, "minute": 0, "second": 41}
